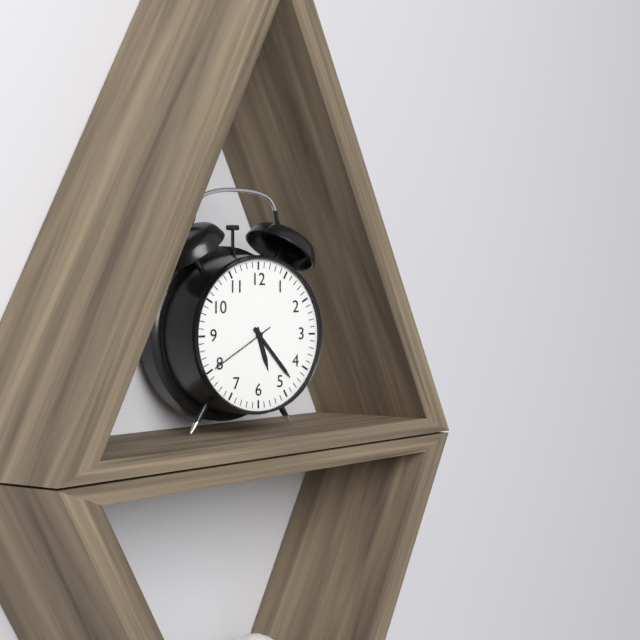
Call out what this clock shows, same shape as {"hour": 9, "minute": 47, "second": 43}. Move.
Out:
{"hour": 5, "minute": 23, "second": 40}
